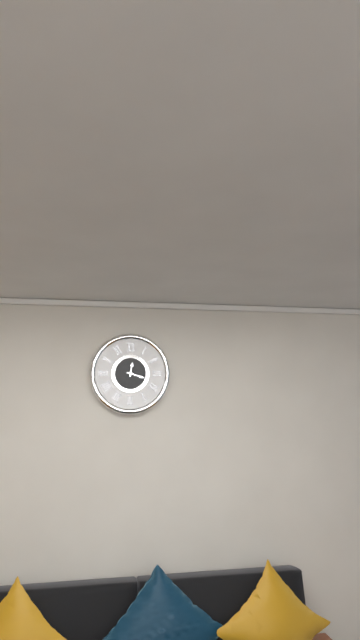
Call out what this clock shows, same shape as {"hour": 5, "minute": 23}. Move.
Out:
{"hour": 12, "minute": 18}
